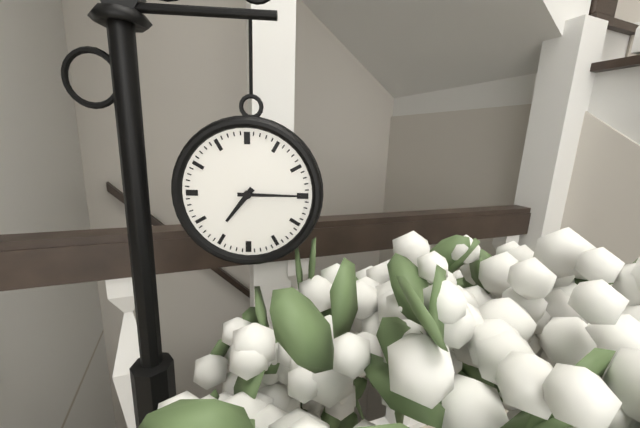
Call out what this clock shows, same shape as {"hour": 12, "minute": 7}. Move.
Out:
{"hour": 7, "minute": 15}
